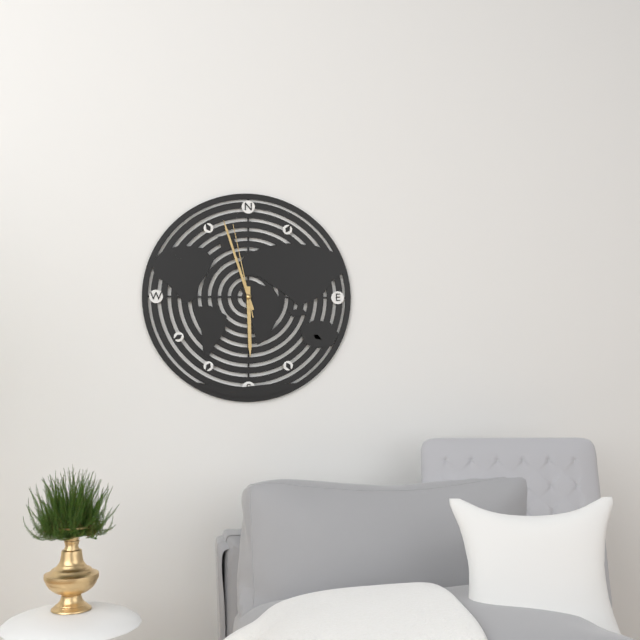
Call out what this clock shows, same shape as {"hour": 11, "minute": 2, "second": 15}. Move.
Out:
{"hour": 5, "minute": 57, "second": 58}
